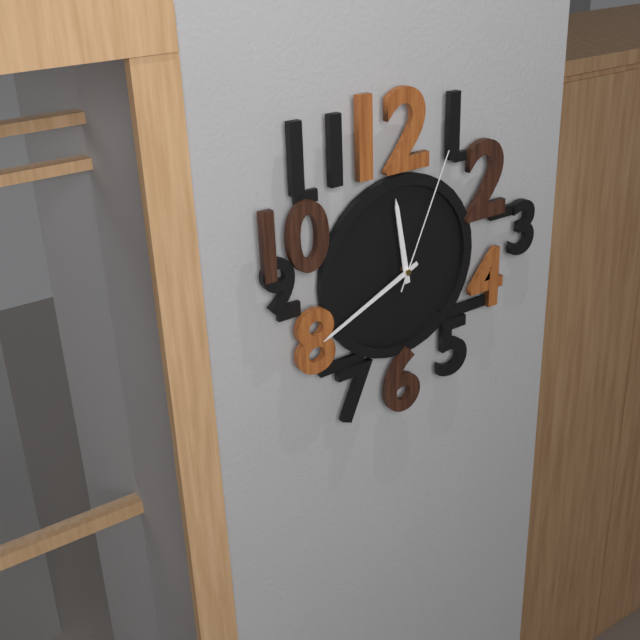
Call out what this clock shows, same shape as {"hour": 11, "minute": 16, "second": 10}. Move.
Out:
{"hour": 11, "minute": 41, "second": 4}
